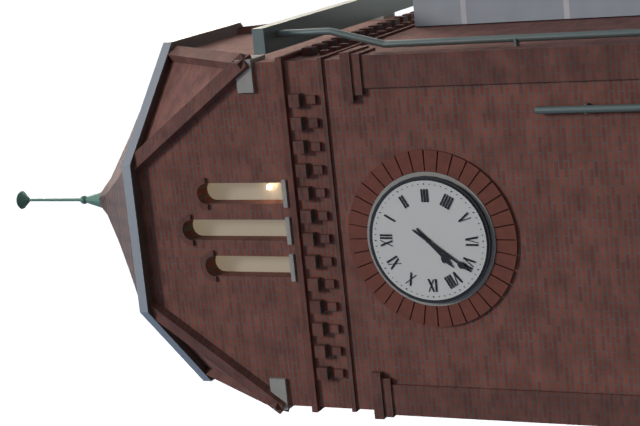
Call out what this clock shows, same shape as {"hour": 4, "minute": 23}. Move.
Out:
{"hour": 7, "minute": 36}
